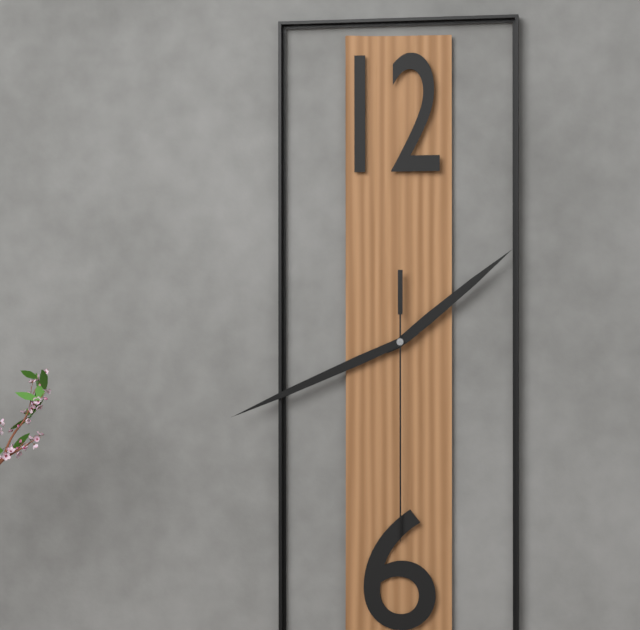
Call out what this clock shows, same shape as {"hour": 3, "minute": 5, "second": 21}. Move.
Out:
{"hour": 1, "minute": 41, "second": 30}
